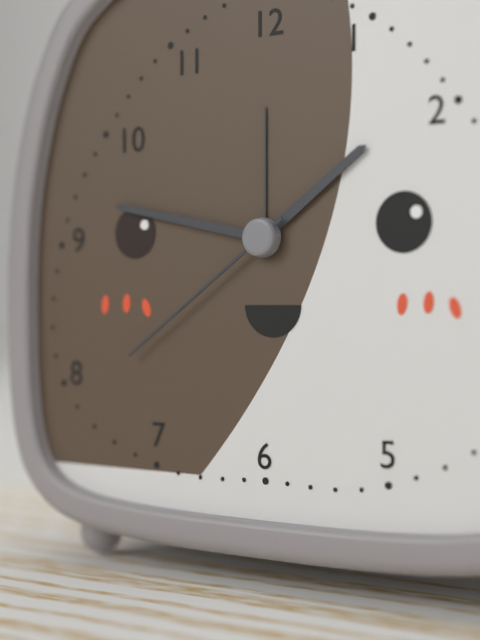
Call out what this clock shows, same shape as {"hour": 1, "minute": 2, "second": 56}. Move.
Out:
{"hour": 1, "minute": 47, "second": 39}
